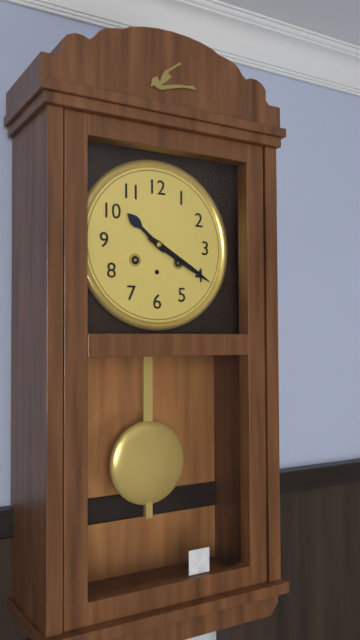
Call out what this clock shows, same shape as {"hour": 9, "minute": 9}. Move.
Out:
{"hour": 10, "minute": 20}
